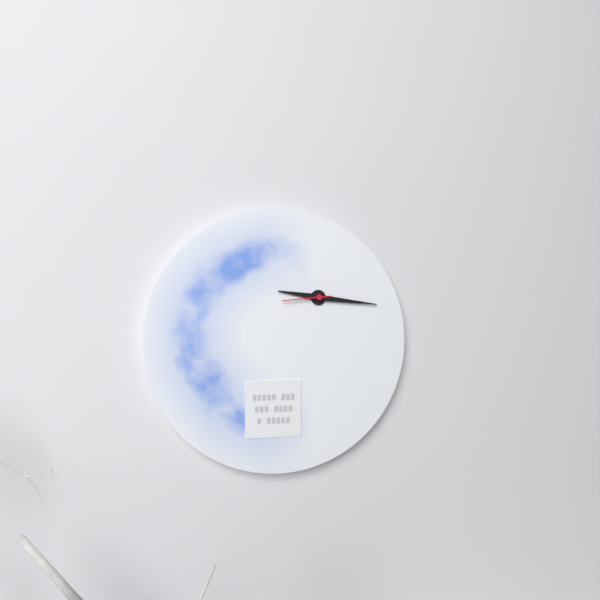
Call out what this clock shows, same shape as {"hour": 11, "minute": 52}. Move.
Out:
{"hour": 9, "minute": 16}
